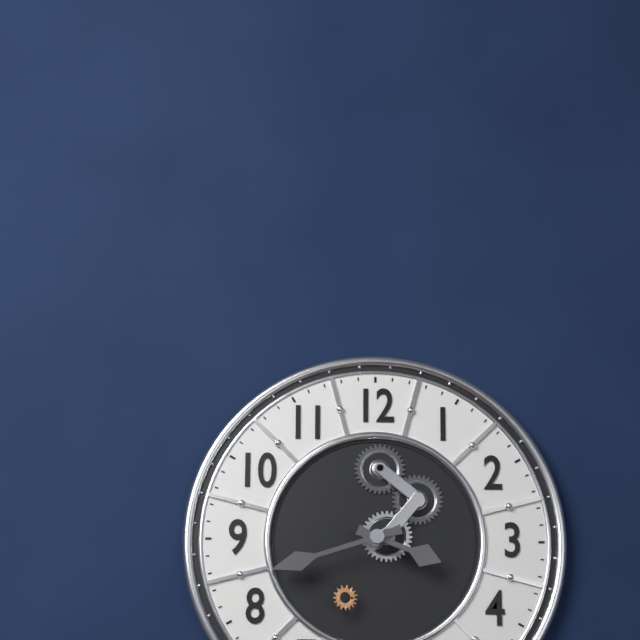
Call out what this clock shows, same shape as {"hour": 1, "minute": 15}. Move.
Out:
{"hour": 3, "minute": 42}
